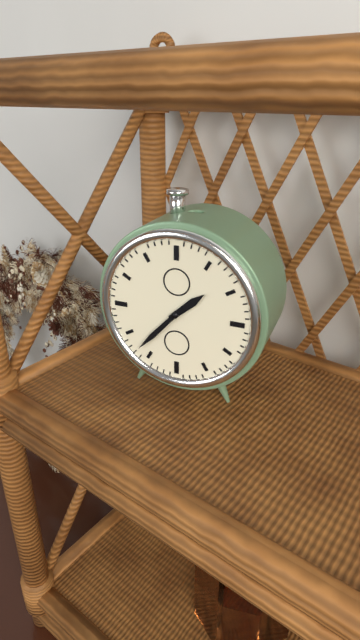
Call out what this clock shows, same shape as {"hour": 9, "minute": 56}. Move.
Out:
{"hour": 1, "minute": 37}
